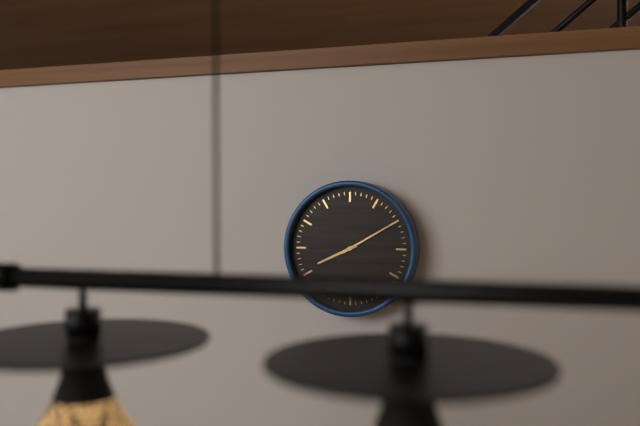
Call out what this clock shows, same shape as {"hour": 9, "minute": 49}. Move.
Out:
{"hour": 8, "minute": 10}
